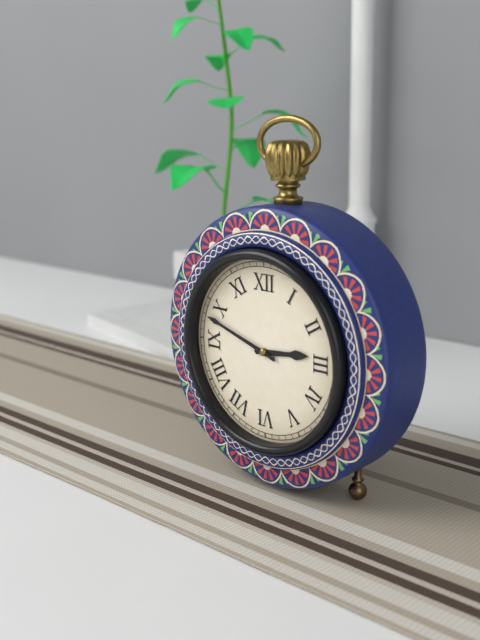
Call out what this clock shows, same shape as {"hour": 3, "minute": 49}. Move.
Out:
{"hour": 2, "minute": 48}
